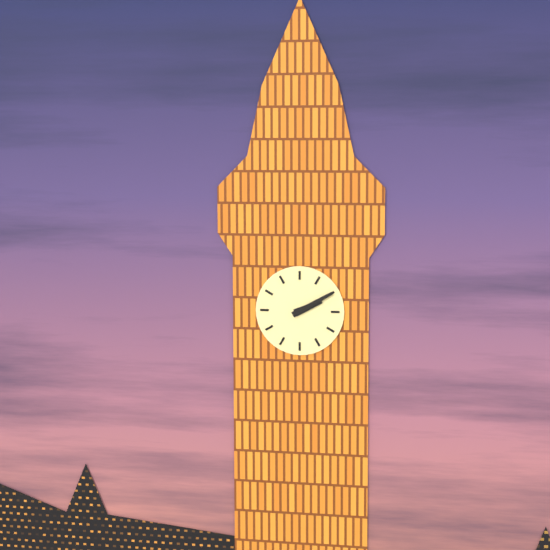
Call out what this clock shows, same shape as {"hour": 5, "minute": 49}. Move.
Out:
{"hour": 2, "minute": 10}
